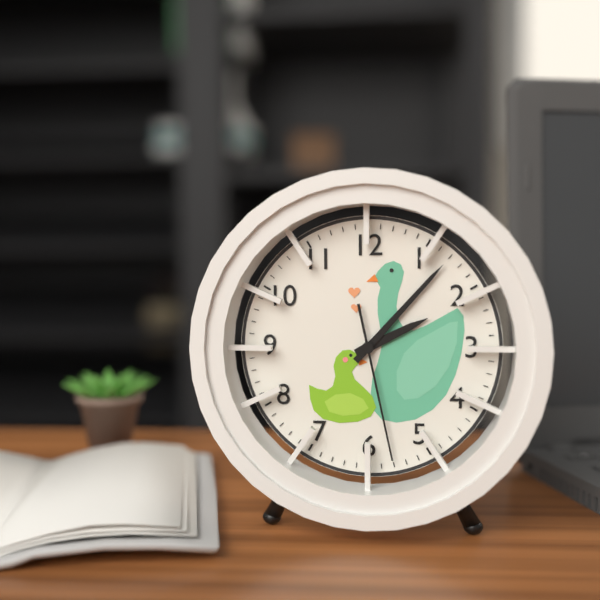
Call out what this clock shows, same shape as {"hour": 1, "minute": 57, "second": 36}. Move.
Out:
{"hour": 2, "minute": 7, "second": 28}
